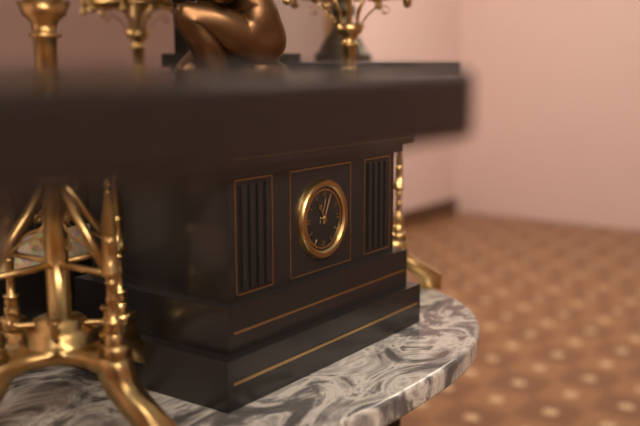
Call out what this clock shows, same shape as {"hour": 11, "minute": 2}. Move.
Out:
{"hour": 11, "minute": 4}
